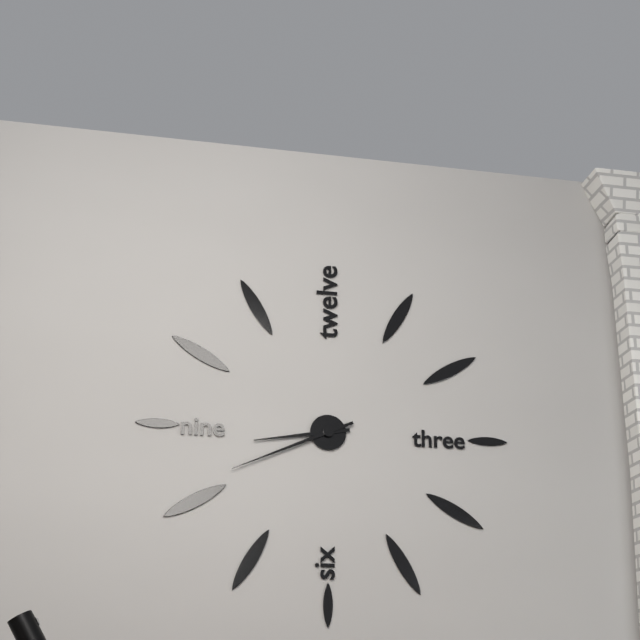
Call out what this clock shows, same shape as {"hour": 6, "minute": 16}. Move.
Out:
{"hour": 8, "minute": 41}
